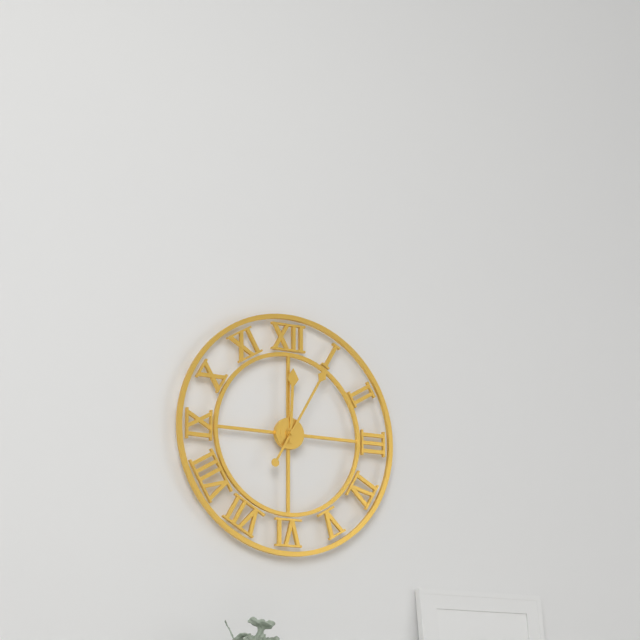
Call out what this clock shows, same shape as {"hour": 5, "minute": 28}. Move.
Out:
{"hour": 12, "minute": 5}
